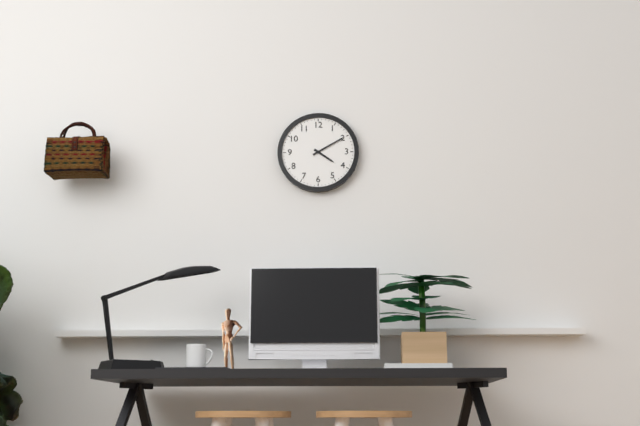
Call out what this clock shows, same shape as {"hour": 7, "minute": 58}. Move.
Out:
{"hour": 4, "minute": 10}
